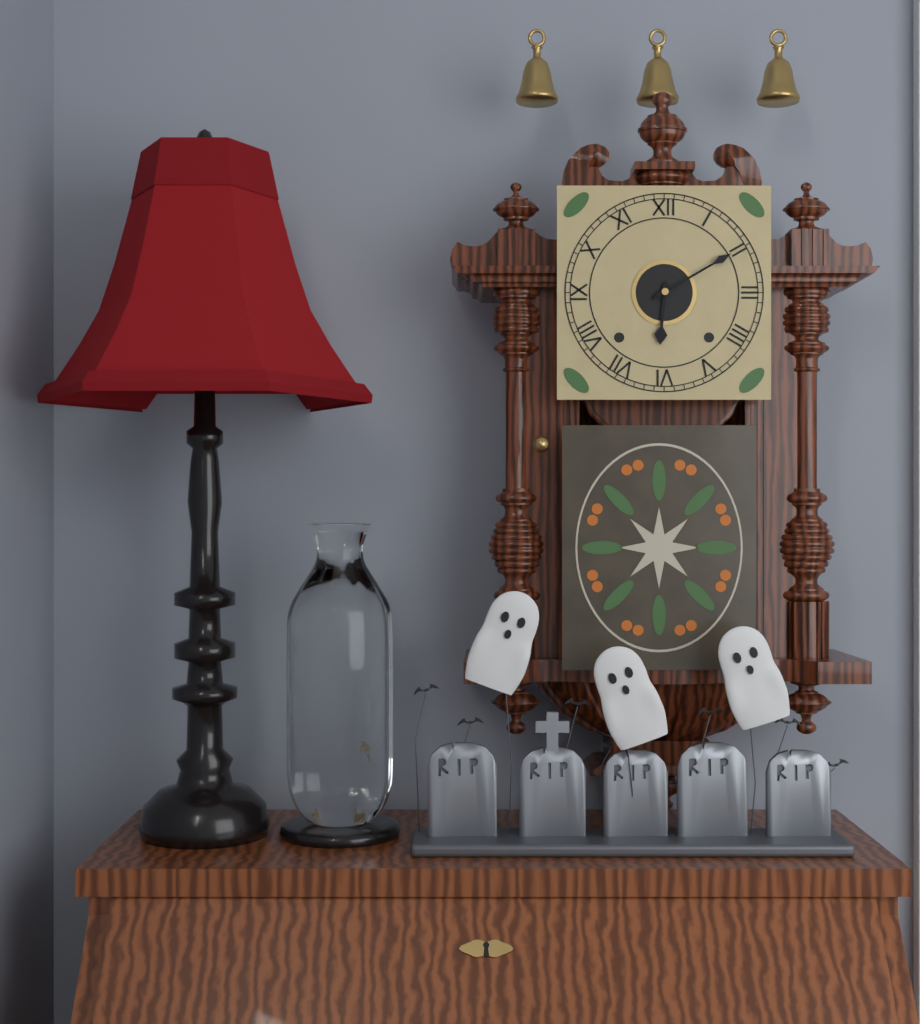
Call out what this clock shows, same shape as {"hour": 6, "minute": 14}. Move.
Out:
{"hour": 6, "minute": 10}
